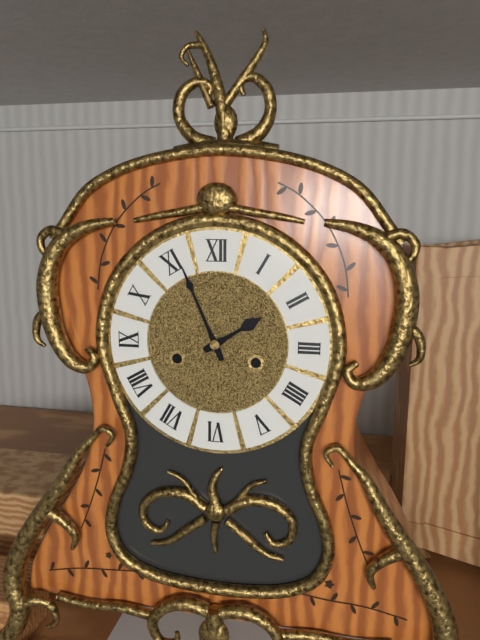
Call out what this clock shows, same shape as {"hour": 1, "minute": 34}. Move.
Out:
{"hour": 1, "minute": 56}
